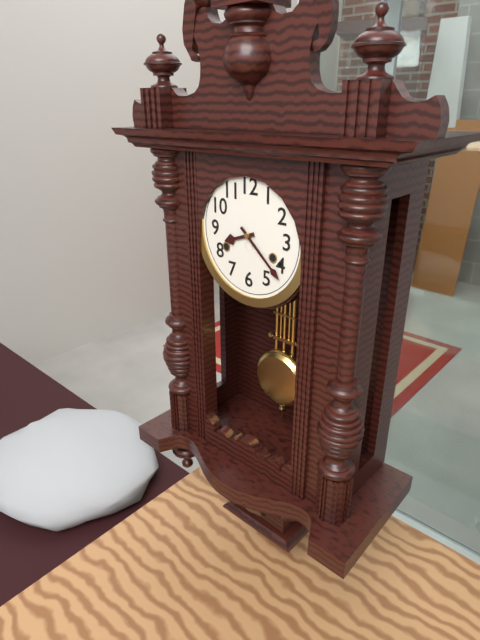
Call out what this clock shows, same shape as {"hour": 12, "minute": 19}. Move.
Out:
{"hour": 8, "minute": 22}
